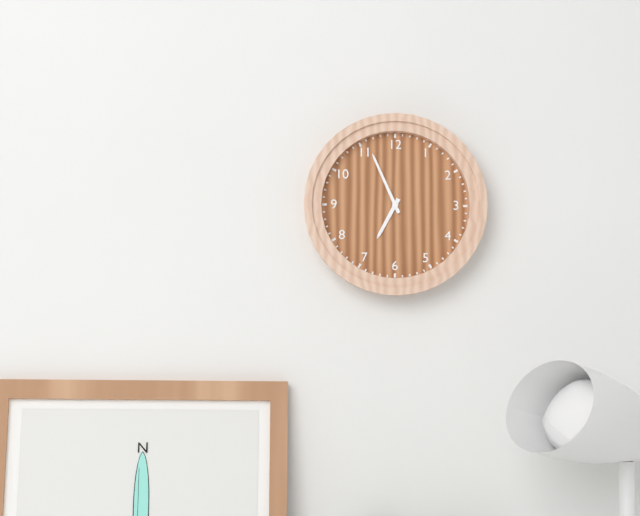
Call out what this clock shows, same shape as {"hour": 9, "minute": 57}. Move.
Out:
{"hour": 6, "minute": 56}
